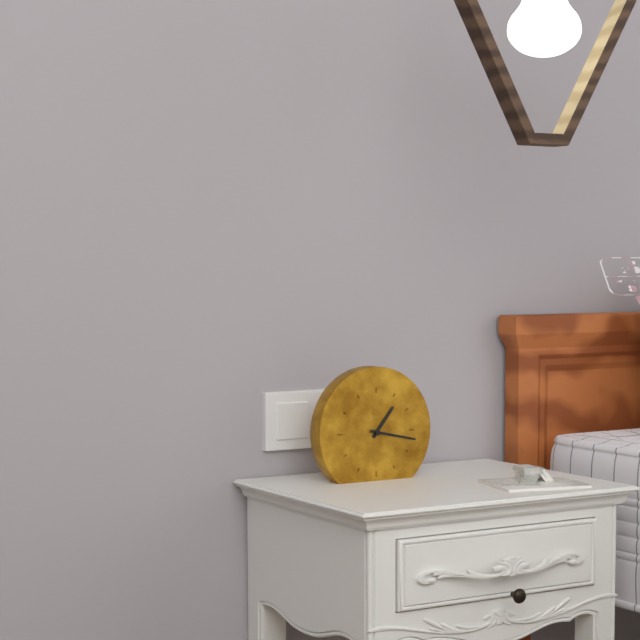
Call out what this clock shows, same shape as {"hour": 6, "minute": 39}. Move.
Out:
{"hour": 1, "minute": 17}
